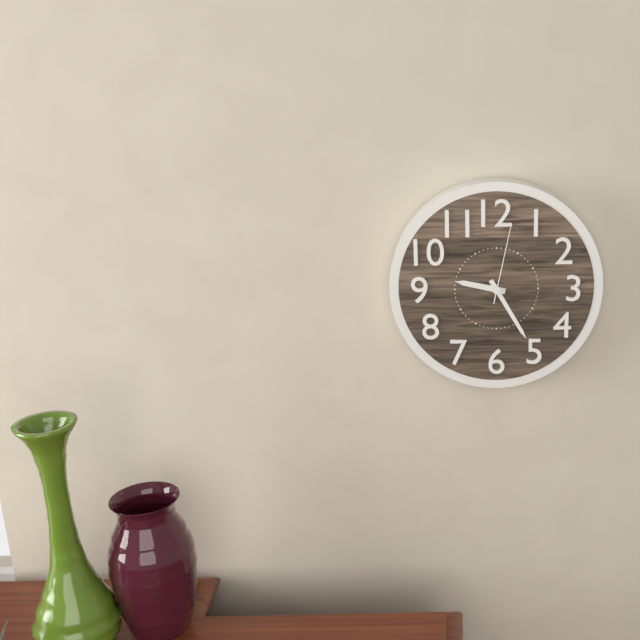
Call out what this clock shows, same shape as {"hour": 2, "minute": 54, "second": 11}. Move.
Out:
{"hour": 9, "minute": 25, "second": 2}
